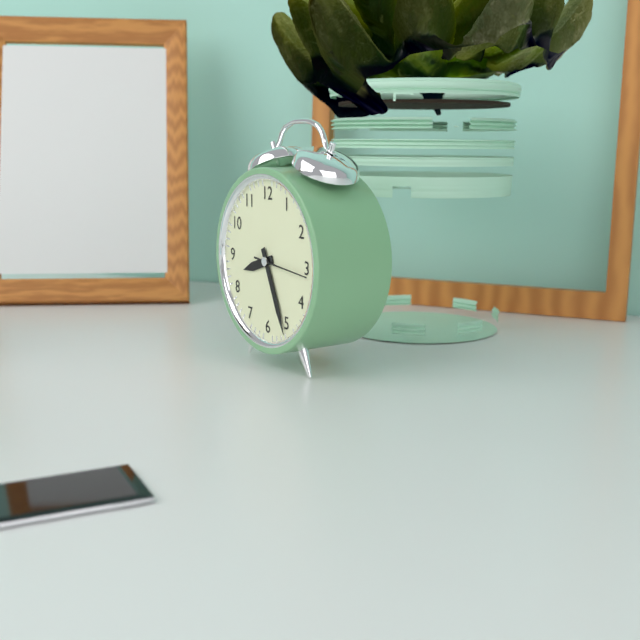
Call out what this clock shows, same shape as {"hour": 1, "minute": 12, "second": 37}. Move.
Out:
{"hour": 8, "minute": 26, "second": 16}
